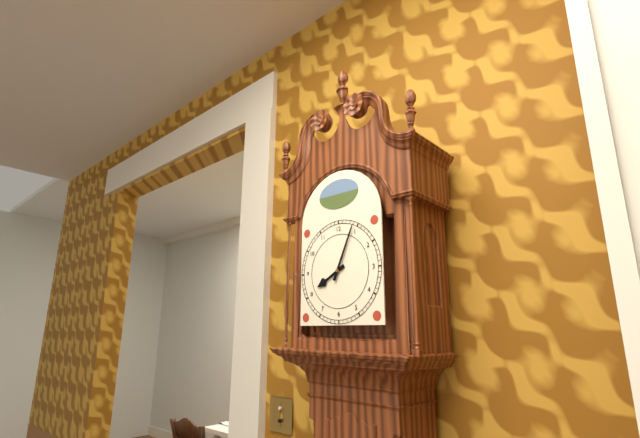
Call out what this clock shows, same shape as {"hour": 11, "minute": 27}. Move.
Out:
{"hour": 8, "minute": 4}
